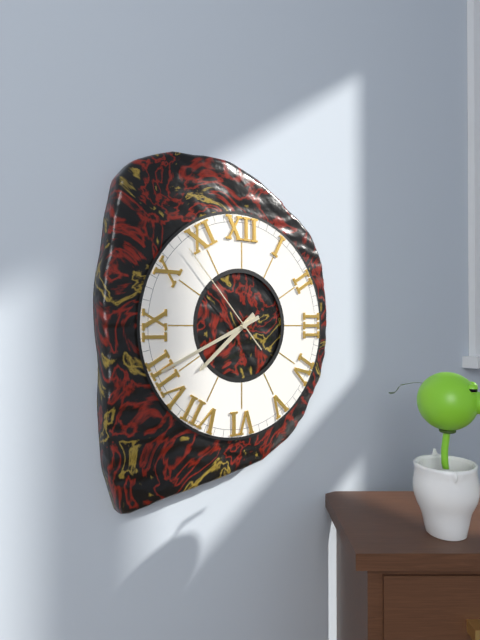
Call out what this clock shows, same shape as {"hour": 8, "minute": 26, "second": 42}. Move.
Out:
{"hour": 7, "minute": 41, "second": 53}
